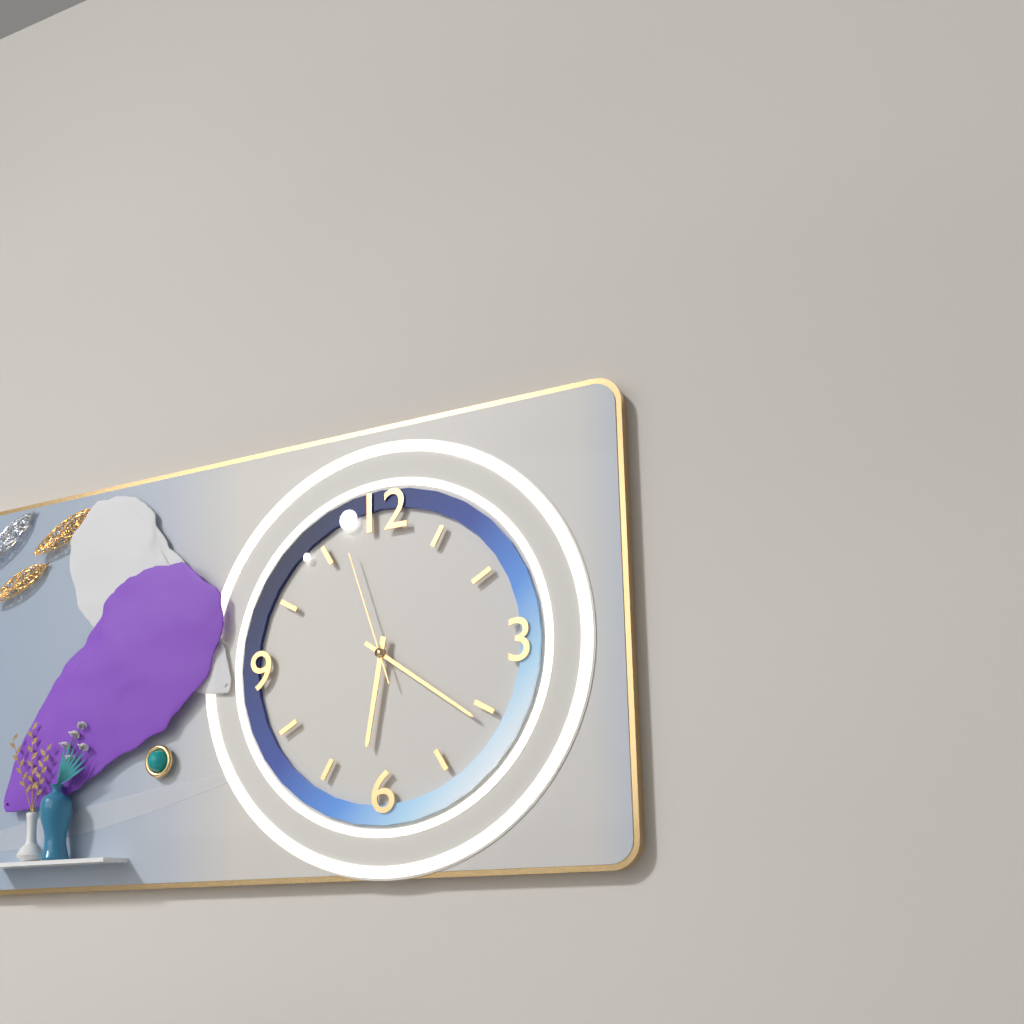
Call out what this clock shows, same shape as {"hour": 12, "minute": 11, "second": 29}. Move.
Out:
{"hour": 6, "minute": 21, "second": 57}
